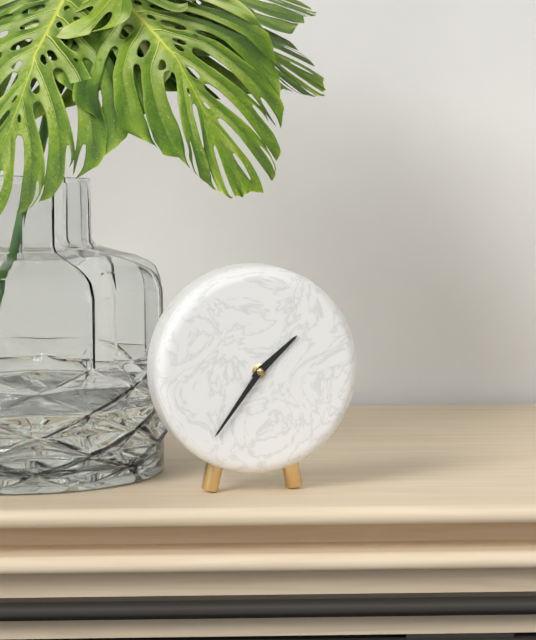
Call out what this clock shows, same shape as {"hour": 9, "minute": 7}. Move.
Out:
{"hour": 1, "minute": 36}
